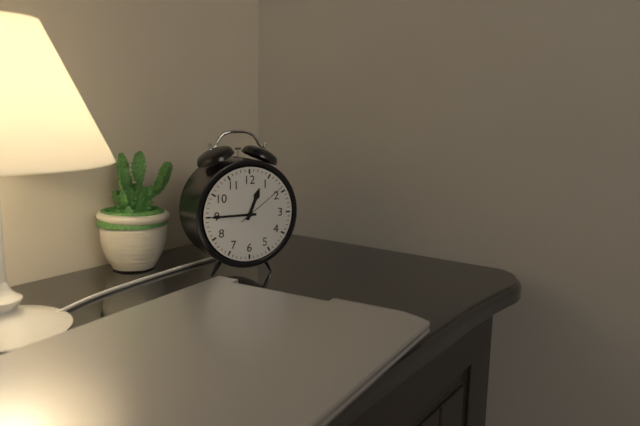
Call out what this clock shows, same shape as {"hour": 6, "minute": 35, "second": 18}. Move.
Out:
{"hour": 12, "minute": 45, "second": 9}
